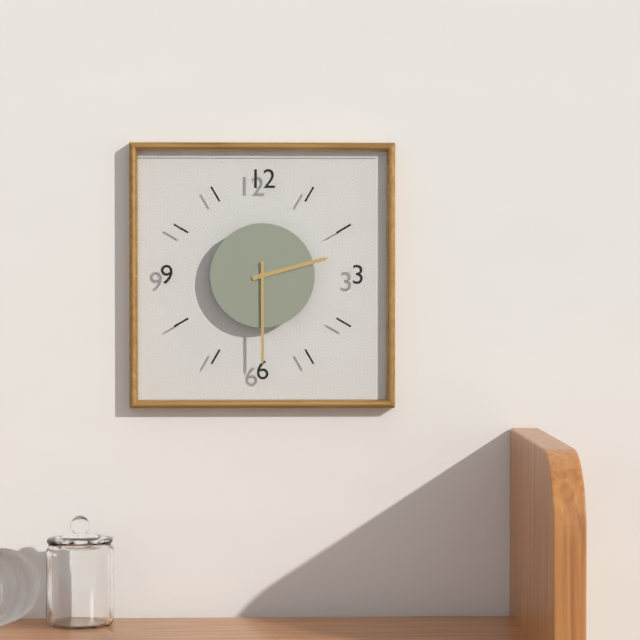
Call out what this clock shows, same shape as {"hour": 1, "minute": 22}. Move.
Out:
{"hour": 2, "minute": 30}
